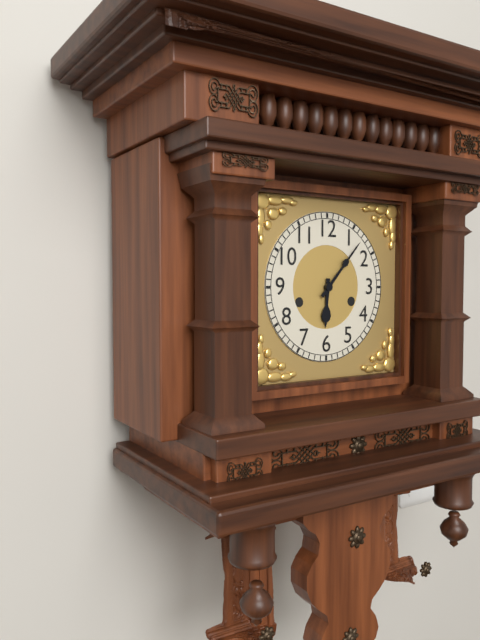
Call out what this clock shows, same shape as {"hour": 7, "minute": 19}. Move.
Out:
{"hour": 6, "minute": 7}
